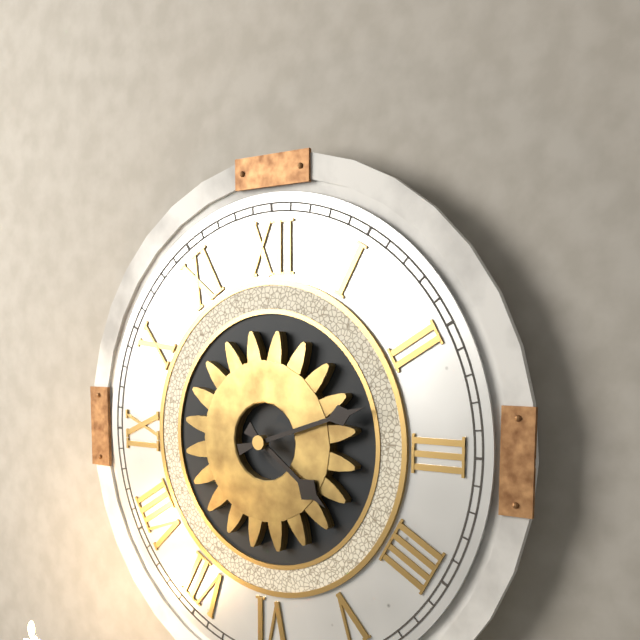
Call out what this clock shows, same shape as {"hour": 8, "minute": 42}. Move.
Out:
{"hour": 4, "minute": 12}
